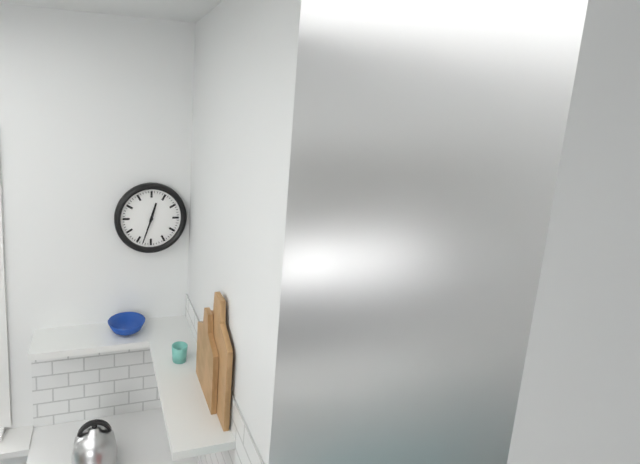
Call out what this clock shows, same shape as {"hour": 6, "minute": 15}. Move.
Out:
{"hour": 12, "minute": 33}
